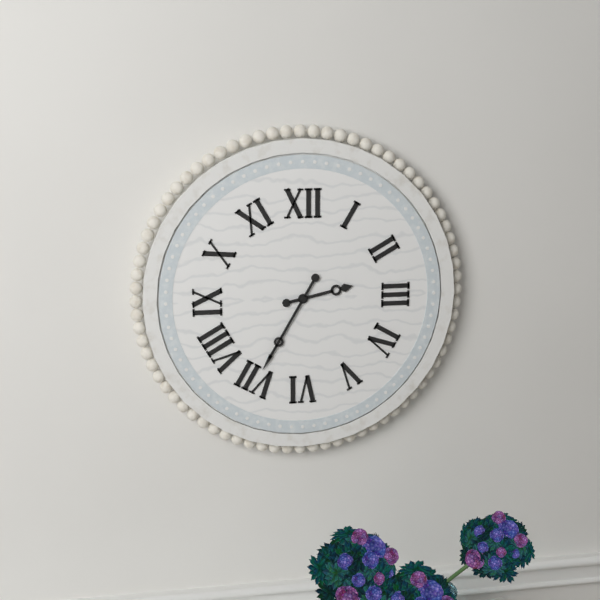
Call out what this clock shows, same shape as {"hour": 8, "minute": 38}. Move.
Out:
{"hour": 2, "minute": 35}
